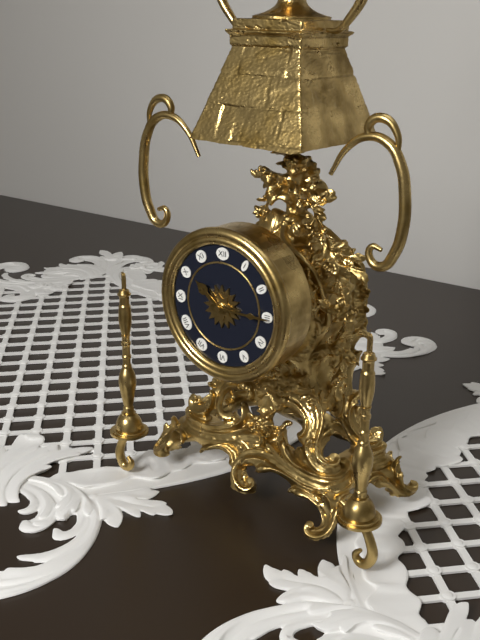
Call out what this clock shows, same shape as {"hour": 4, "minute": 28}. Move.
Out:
{"hour": 10, "minute": 15}
